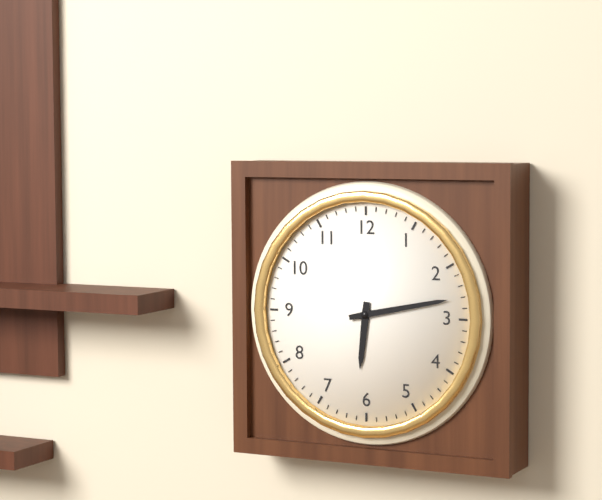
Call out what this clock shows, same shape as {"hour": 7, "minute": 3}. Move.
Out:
{"hour": 6, "minute": 13}
